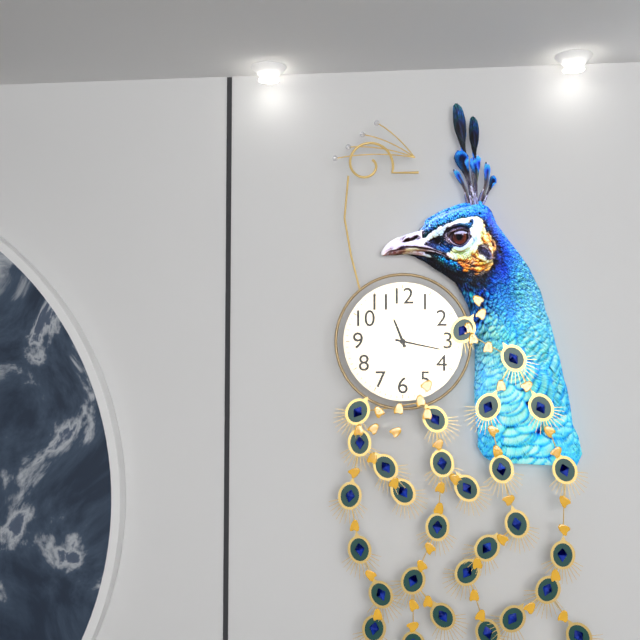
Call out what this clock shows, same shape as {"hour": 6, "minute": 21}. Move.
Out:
{"hour": 11, "minute": 17}
